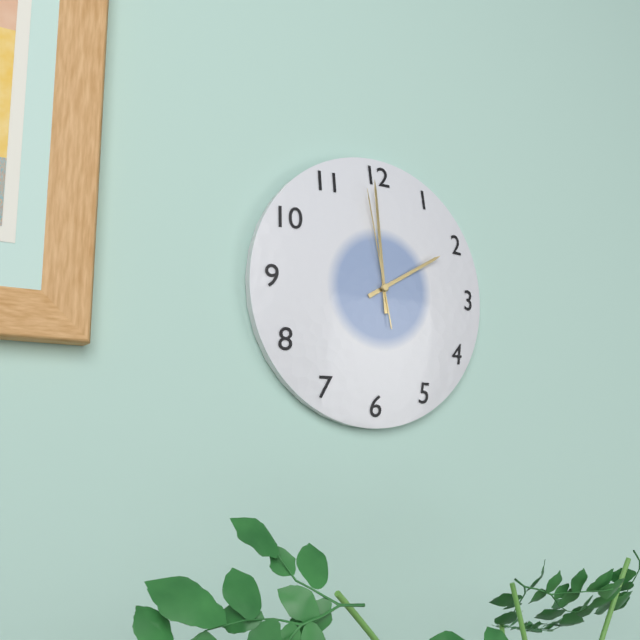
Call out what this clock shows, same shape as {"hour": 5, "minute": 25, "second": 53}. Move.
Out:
{"hour": 1, "minute": 59, "second": 58}
